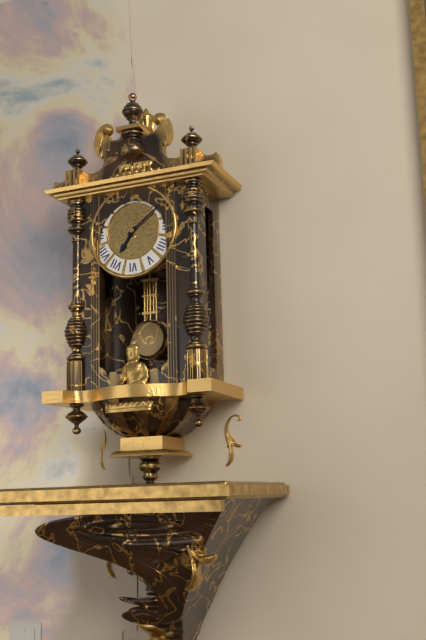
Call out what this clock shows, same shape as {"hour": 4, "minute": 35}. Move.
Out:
{"hour": 7, "minute": 9}
